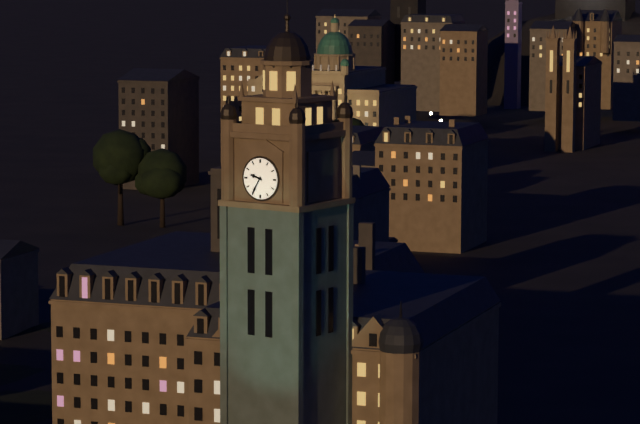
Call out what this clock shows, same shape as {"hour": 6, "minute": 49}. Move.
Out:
{"hour": 9, "minute": 35}
